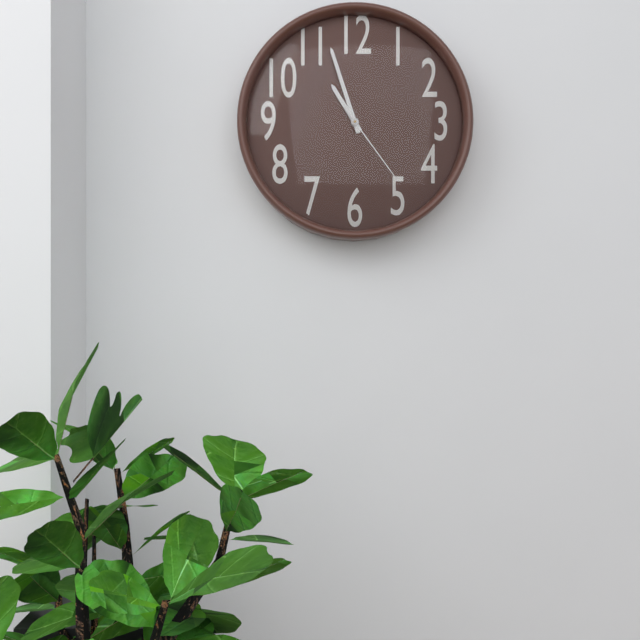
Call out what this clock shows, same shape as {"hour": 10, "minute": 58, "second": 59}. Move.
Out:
{"hour": 10, "minute": 57, "second": 24}
